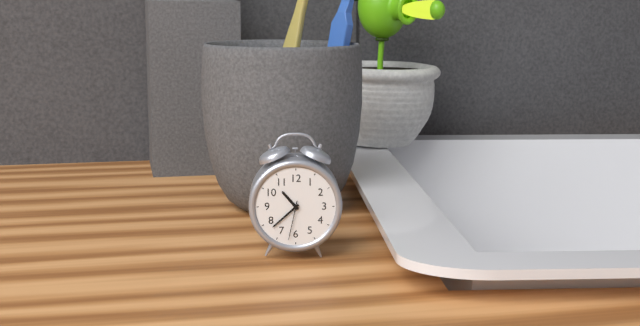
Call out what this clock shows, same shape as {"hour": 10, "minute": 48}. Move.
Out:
{"hour": 10, "minute": 38}
